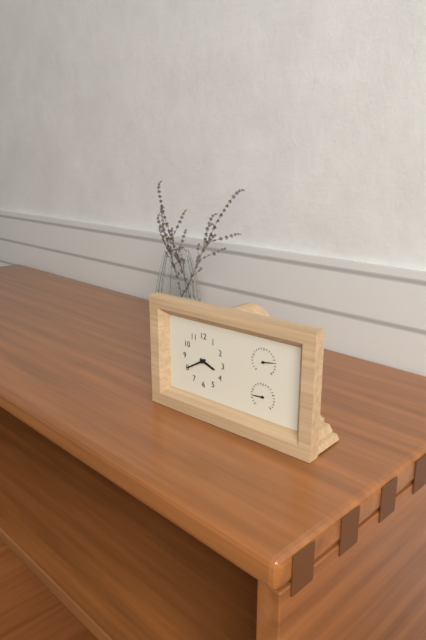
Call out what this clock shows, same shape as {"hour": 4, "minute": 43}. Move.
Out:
{"hour": 3, "minute": 40}
